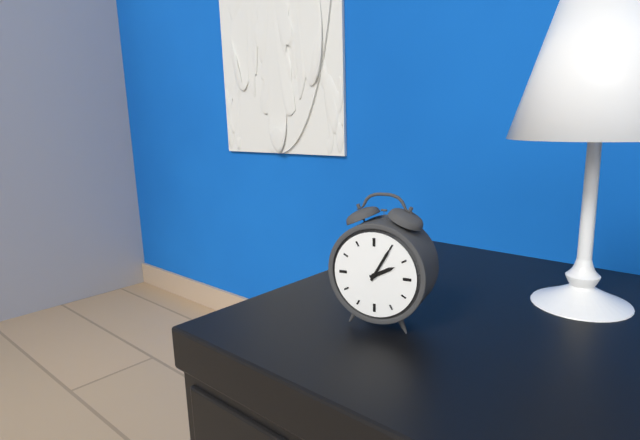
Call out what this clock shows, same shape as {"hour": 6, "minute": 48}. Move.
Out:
{"hour": 2, "minute": 5}
